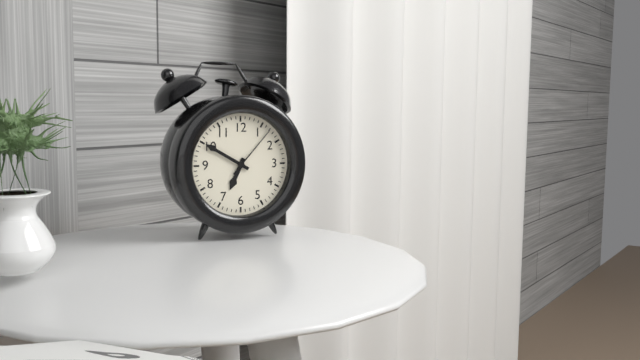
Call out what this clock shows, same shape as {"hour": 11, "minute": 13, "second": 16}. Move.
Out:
{"hour": 6, "minute": 50, "second": 7}
